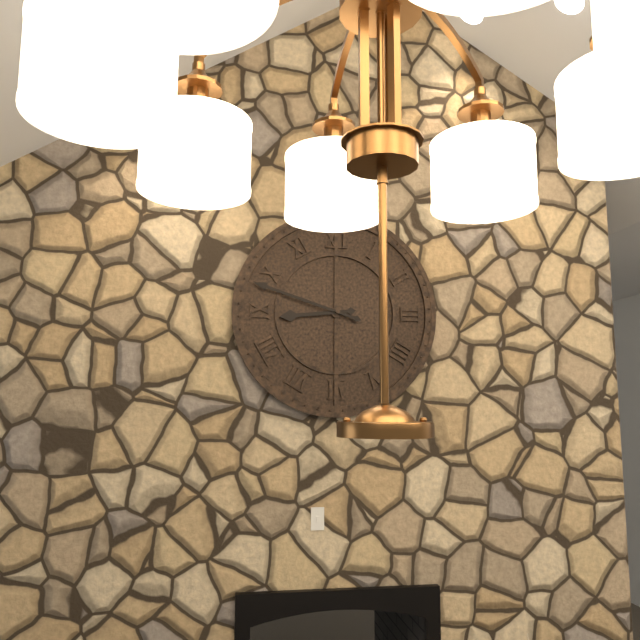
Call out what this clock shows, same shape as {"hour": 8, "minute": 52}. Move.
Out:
{"hour": 8, "minute": 48}
